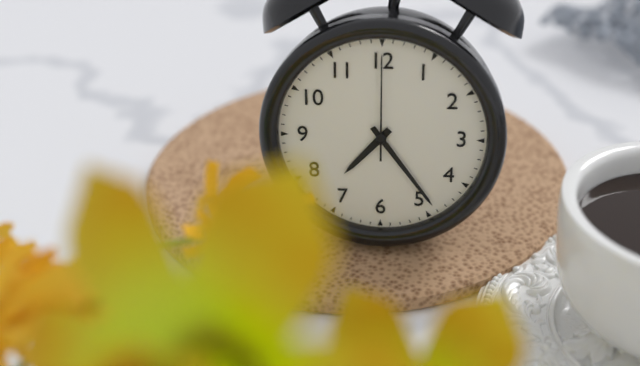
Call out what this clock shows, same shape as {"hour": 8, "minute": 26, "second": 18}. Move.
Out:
{"hour": 7, "minute": 24, "second": 0}
